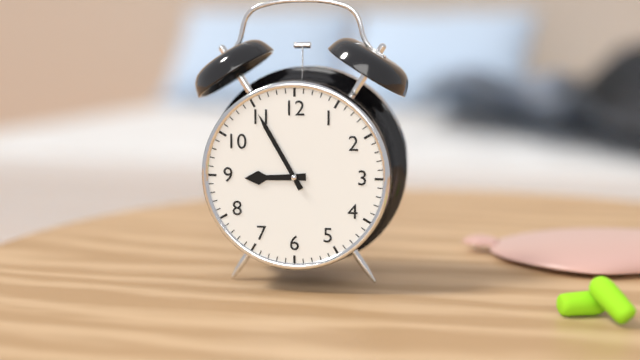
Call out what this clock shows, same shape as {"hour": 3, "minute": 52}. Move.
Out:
{"hour": 8, "minute": 55}
